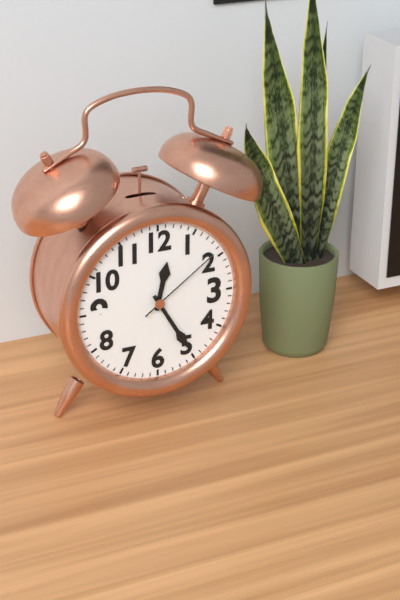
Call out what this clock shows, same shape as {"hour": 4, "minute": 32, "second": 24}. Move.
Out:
{"hour": 12, "minute": 25, "second": 9}
